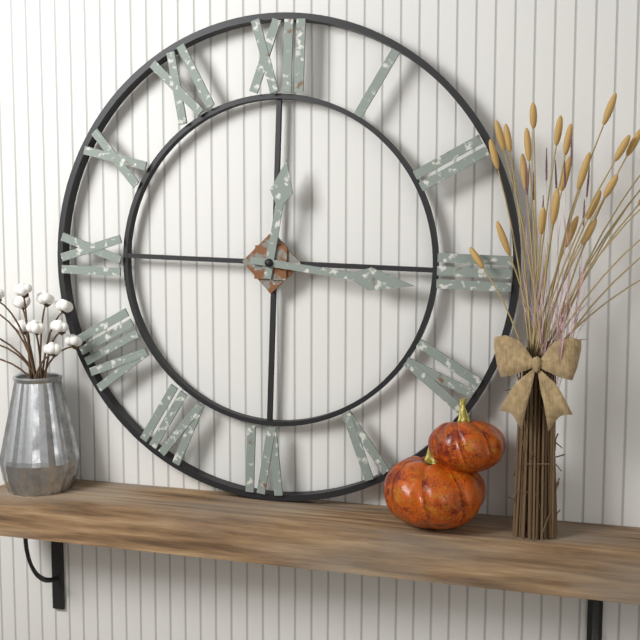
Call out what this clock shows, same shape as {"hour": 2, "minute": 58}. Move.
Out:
{"hour": 12, "minute": 16}
